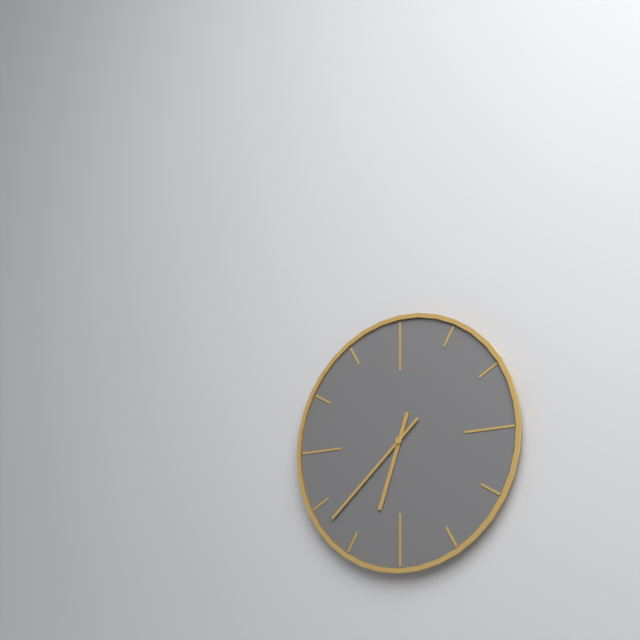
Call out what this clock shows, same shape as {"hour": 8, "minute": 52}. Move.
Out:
{"hour": 6, "minute": 38}
